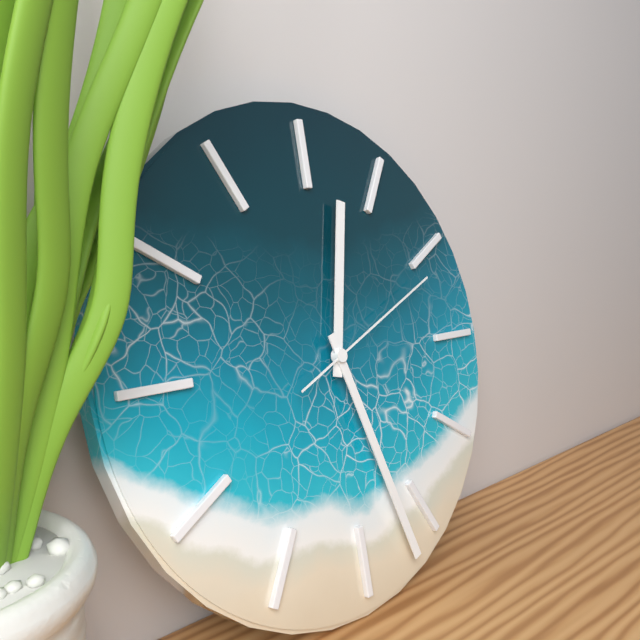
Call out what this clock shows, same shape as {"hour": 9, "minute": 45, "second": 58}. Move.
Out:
{"hour": 12, "minute": 27, "second": 11}
